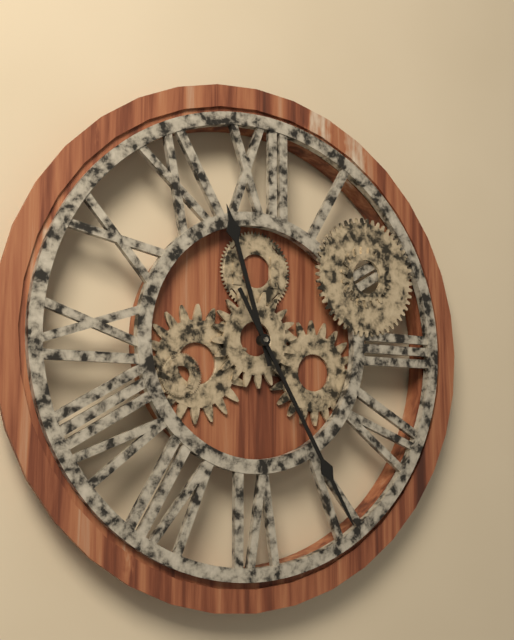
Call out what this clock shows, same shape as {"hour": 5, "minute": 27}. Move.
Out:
{"hour": 11, "minute": 25}
